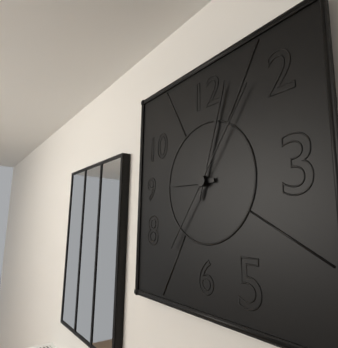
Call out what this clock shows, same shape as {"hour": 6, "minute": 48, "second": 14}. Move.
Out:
{"hour": 9, "minute": 3, "second": 6}
